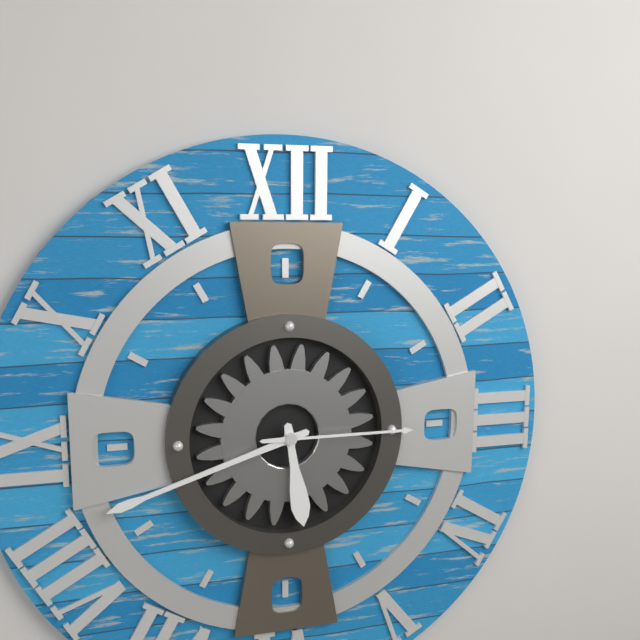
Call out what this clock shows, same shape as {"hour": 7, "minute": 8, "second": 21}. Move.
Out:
{"hour": 5, "minute": 42, "second": 15}
